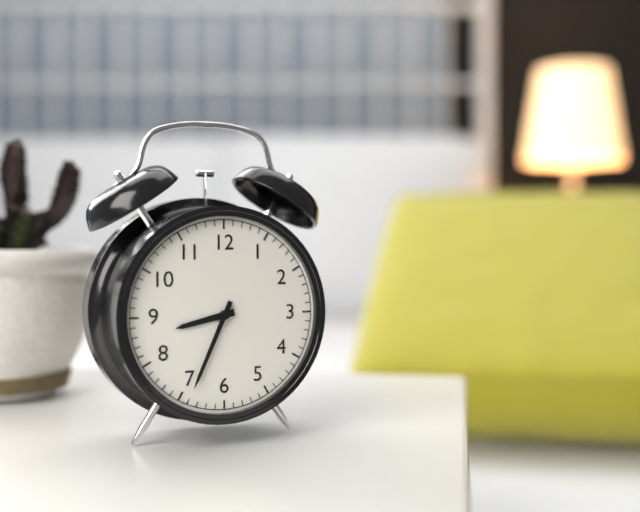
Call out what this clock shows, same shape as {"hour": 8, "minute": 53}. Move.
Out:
{"hour": 8, "minute": 34}
